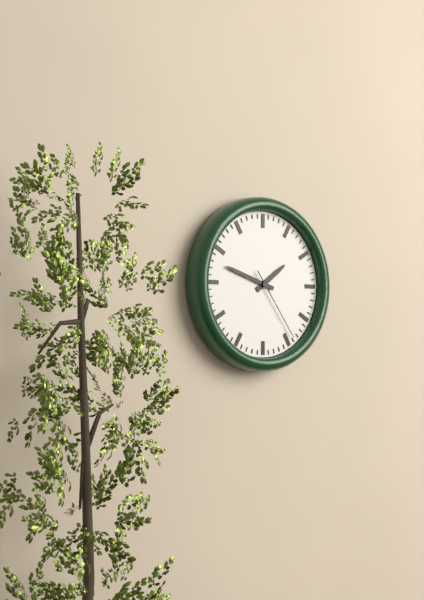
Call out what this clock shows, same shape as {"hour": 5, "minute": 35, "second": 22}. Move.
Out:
{"hour": 1, "minute": 48, "second": 24}
